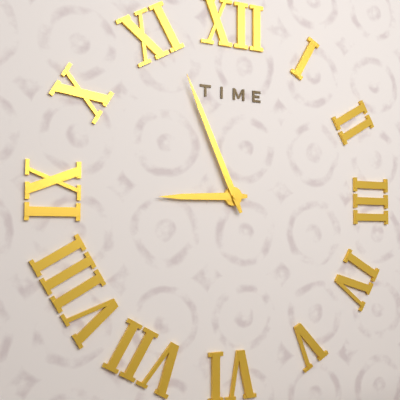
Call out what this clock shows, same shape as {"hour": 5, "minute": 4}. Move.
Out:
{"hour": 8, "minute": 56}
